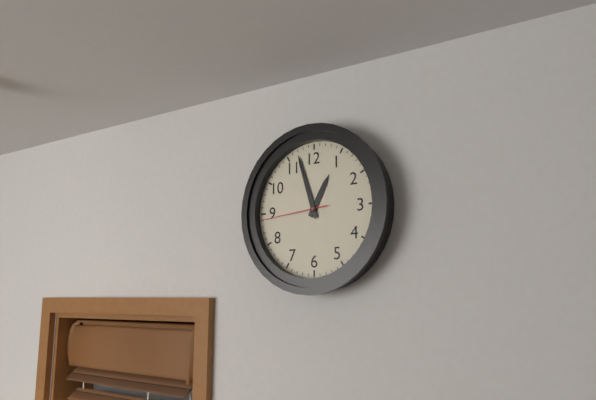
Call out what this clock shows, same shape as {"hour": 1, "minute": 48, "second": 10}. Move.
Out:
{"hour": 12, "minute": 57, "second": 44}
